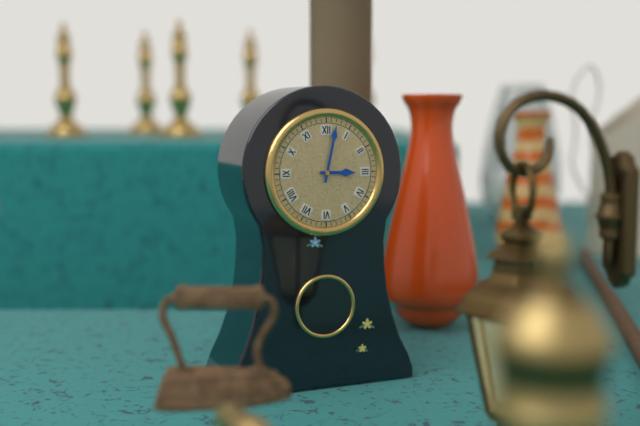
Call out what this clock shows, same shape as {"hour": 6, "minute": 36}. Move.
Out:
{"hour": 3, "minute": 2}
